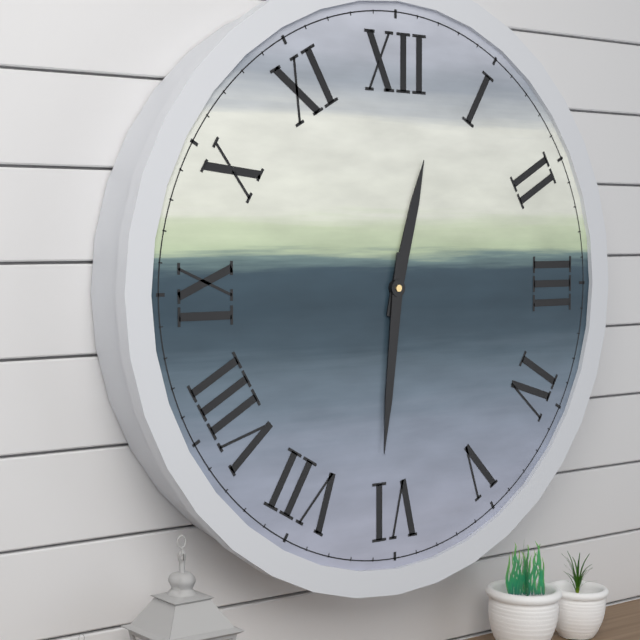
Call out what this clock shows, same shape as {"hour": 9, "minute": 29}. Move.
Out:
{"hour": 12, "minute": 31}
